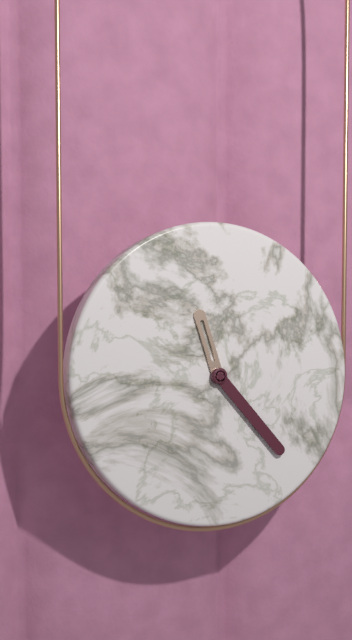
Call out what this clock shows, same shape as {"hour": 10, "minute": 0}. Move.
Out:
{"hour": 11, "minute": 23}
